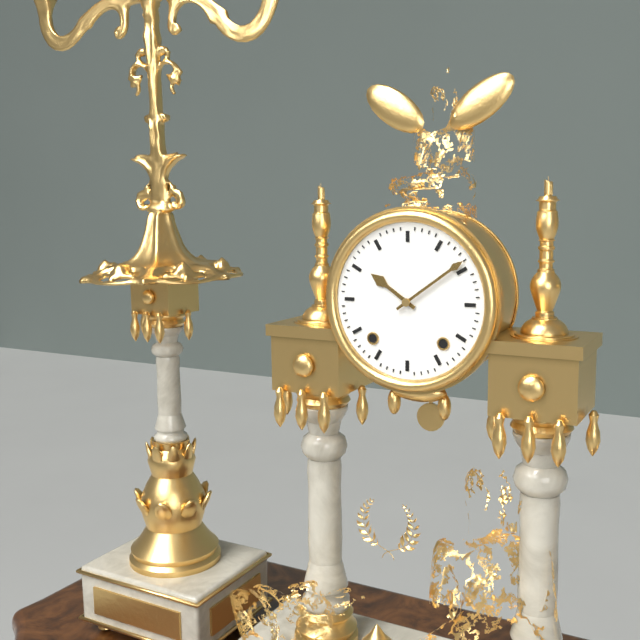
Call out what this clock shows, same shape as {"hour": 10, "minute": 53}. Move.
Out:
{"hour": 10, "minute": 9}
